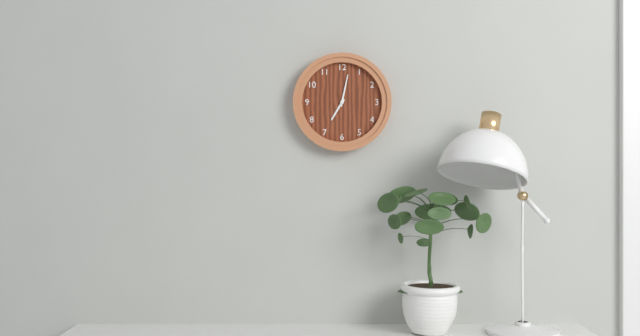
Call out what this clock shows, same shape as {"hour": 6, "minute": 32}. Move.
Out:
{"hour": 7, "minute": 2}
